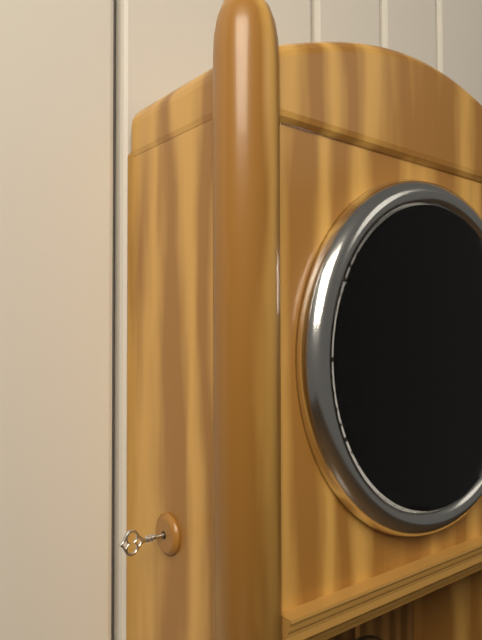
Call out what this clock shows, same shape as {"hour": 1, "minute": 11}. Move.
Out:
{"hour": 3, "minute": 55}
